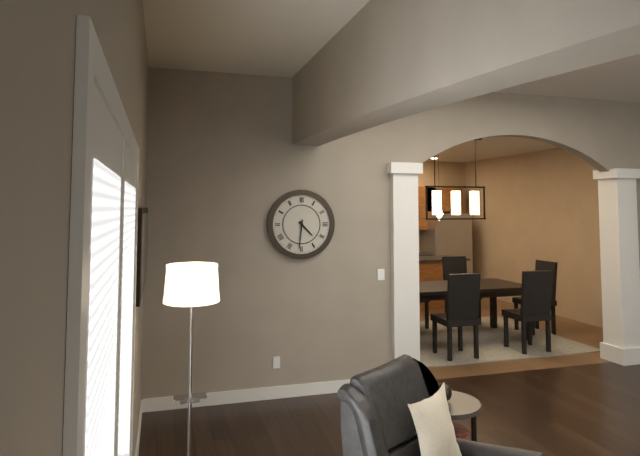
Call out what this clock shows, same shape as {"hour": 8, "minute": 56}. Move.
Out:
{"hour": 4, "minute": 31}
